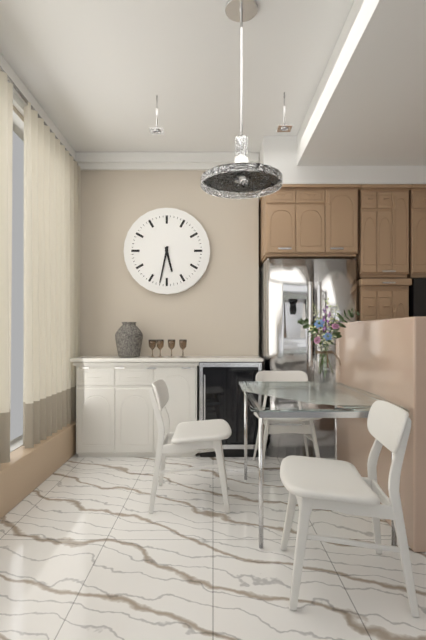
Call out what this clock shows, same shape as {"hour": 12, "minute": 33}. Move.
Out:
{"hour": 5, "minute": 32}
